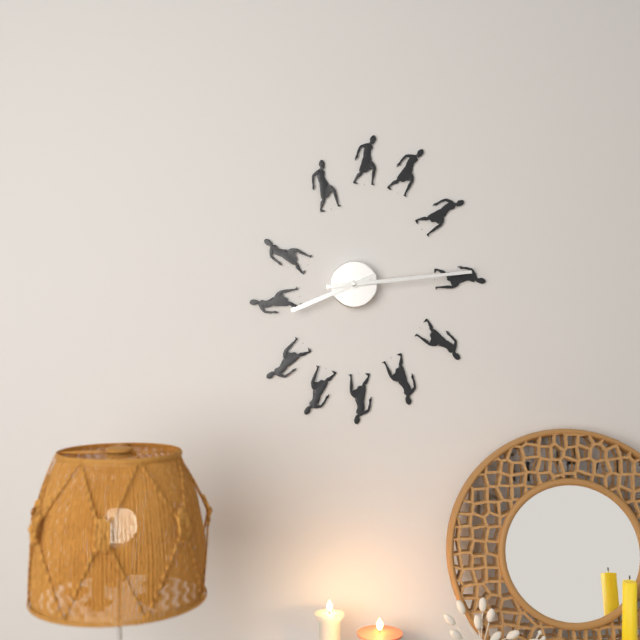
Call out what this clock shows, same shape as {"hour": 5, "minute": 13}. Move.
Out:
{"hour": 8, "minute": 14}
